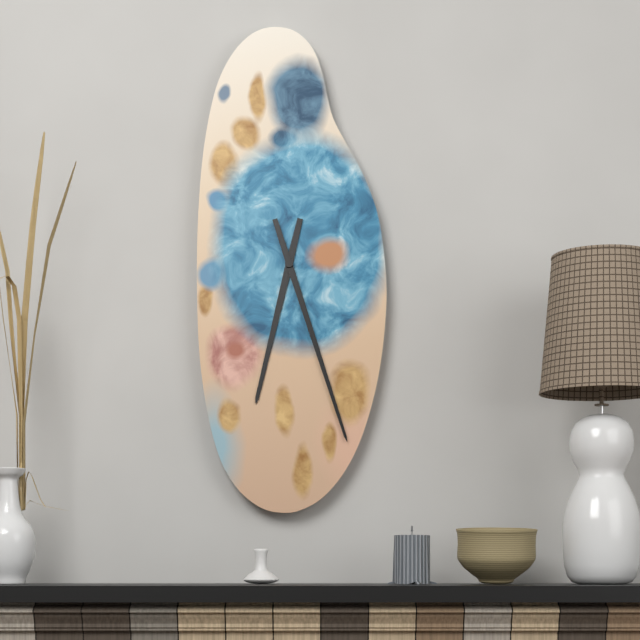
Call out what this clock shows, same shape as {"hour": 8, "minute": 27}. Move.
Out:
{"hour": 6, "minute": 27}
